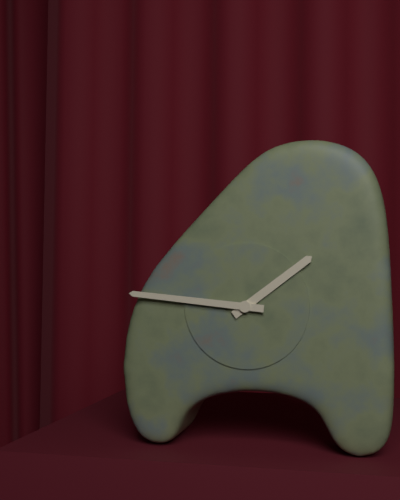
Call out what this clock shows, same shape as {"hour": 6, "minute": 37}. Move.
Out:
{"hour": 1, "minute": 46}
